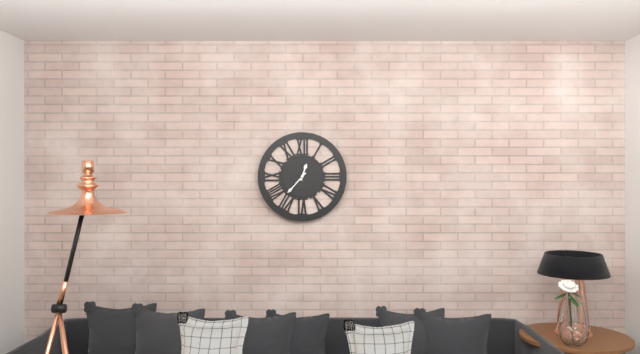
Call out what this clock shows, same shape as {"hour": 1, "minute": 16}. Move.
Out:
{"hour": 12, "minute": 37}
